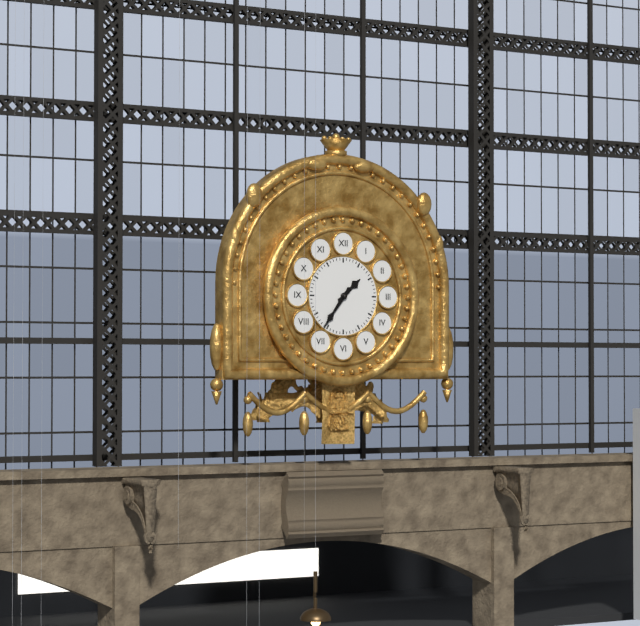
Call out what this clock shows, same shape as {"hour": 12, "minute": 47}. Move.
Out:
{"hour": 1, "minute": 36}
